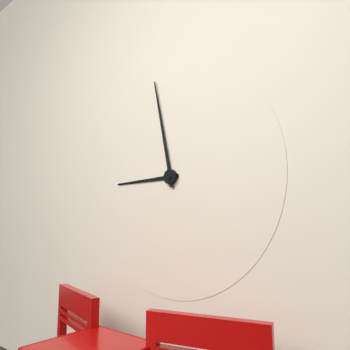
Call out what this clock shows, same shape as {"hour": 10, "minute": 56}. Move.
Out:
{"hour": 8, "minute": 58}
